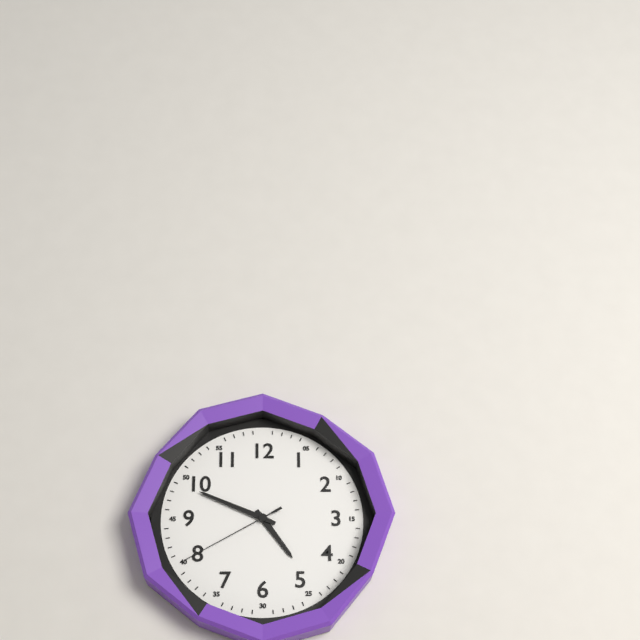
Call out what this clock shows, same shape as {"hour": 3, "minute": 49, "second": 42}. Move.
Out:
{"hour": 4, "minute": 49, "second": 40}
